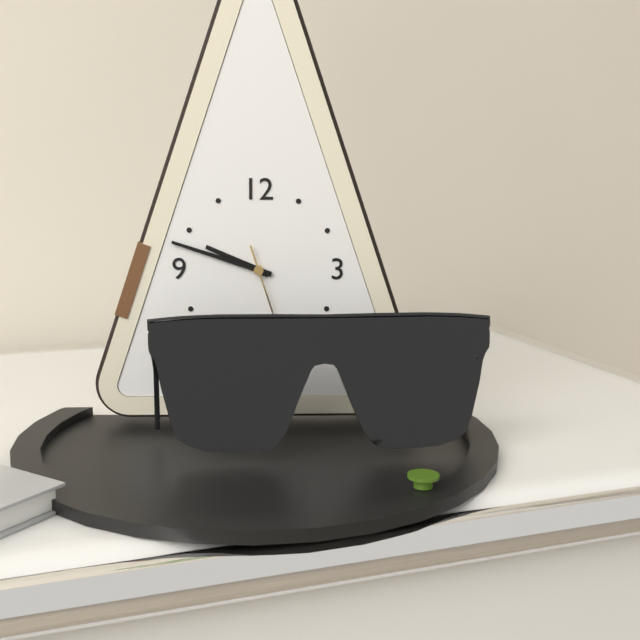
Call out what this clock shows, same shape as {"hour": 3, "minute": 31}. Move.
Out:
{"hour": 9, "minute": 48}
